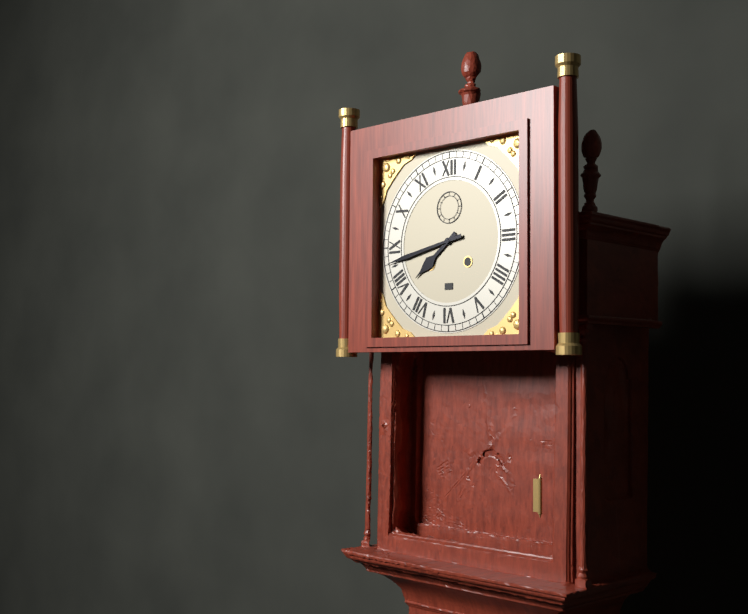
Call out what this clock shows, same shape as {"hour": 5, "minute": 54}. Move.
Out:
{"hour": 7, "minute": 43}
